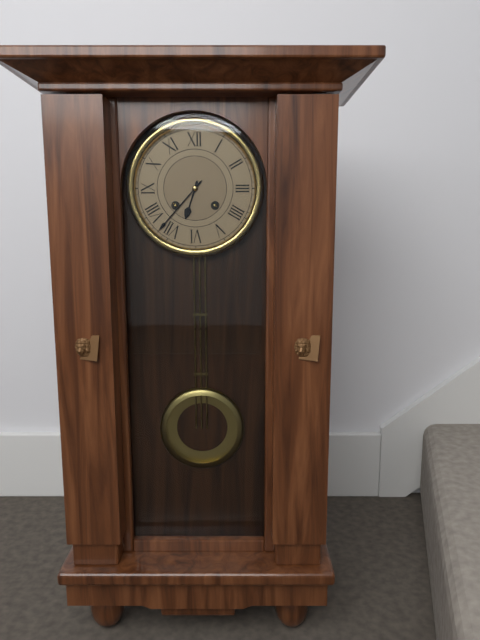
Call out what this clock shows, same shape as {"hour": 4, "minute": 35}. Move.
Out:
{"hour": 6, "minute": 37}
